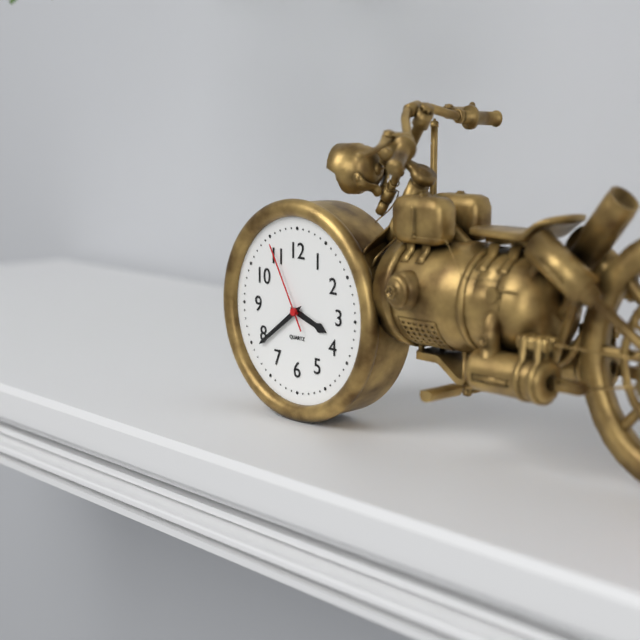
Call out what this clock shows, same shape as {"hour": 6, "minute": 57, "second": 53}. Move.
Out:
{"hour": 3, "minute": 39, "second": 55}
